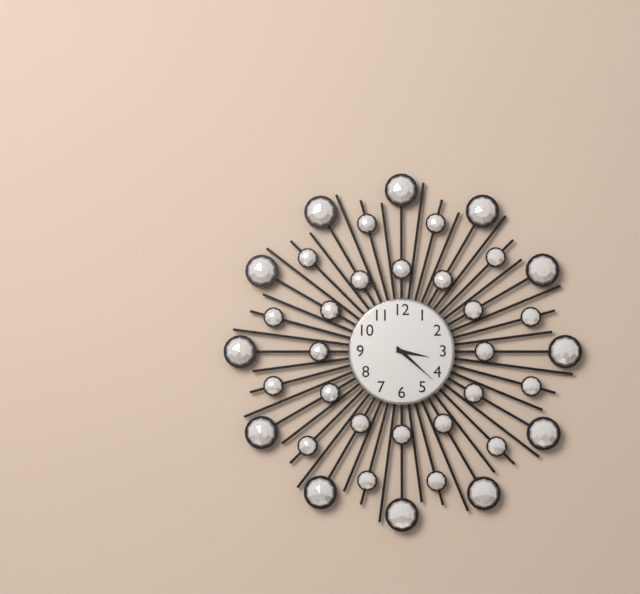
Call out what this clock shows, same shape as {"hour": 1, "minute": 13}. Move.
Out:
{"hour": 3, "minute": 22}
